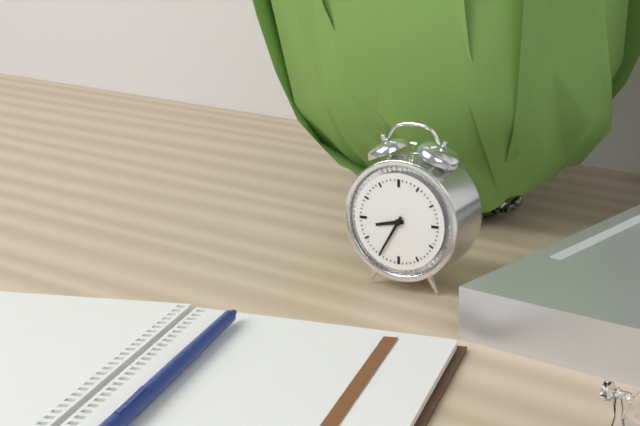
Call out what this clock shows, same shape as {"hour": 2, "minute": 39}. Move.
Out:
{"hour": 8, "minute": 35}
